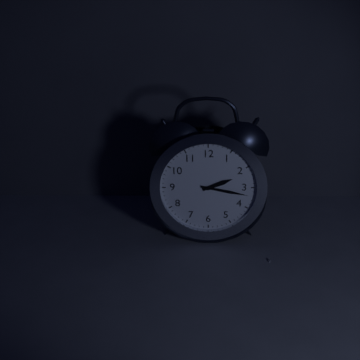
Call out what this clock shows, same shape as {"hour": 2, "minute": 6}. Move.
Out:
{"hour": 2, "minute": 17}
